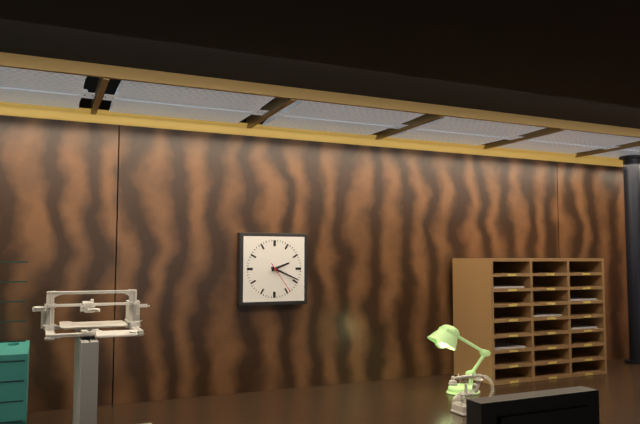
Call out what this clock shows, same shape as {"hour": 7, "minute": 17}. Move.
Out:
{"hour": 2, "minute": 19}
